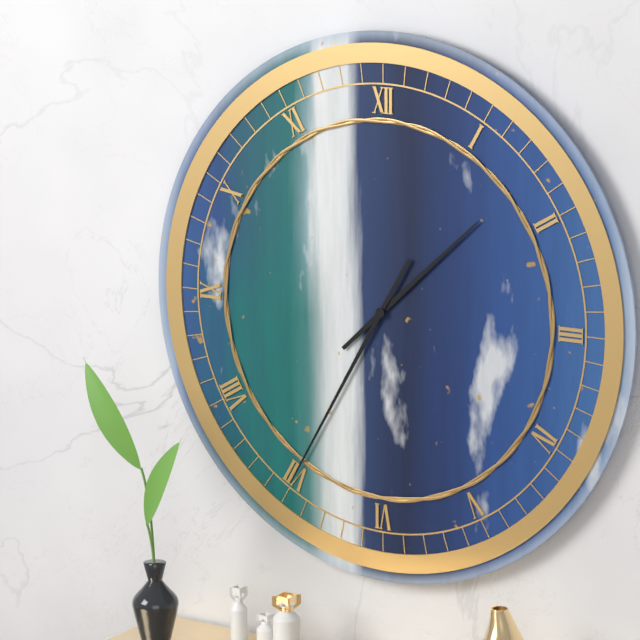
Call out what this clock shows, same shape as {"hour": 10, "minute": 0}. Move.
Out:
{"hour": 1, "minute": 35}
